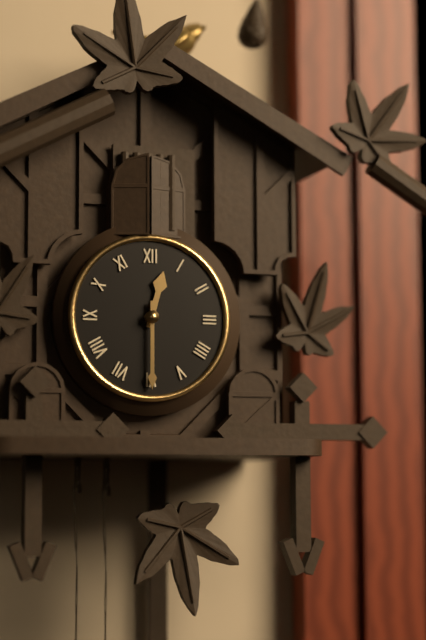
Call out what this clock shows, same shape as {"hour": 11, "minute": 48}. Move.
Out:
{"hour": 12, "minute": 30}
